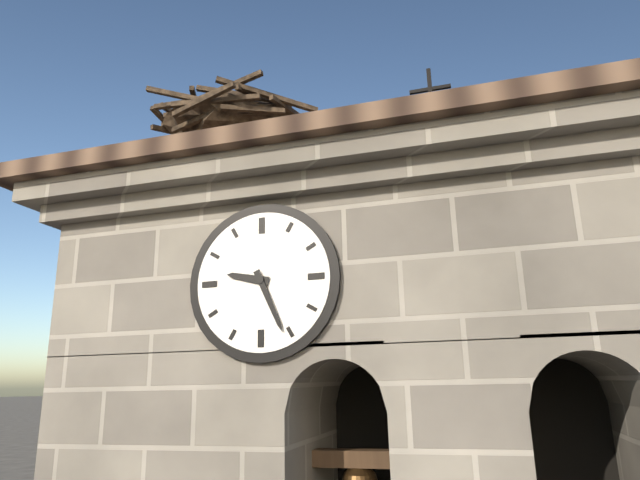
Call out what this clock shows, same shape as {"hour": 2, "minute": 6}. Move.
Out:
{"hour": 9, "minute": 26}
